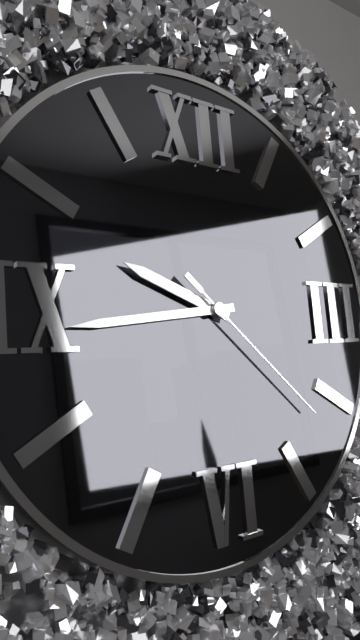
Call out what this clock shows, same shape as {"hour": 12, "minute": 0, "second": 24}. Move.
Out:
{"hour": 9, "minute": 44, "second": 22}
